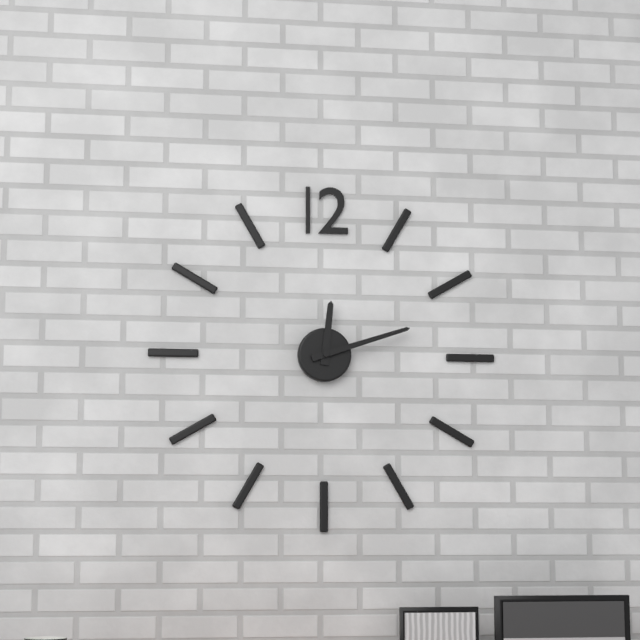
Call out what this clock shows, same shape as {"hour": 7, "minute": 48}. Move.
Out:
{"hour": 12, "minute": 12}
